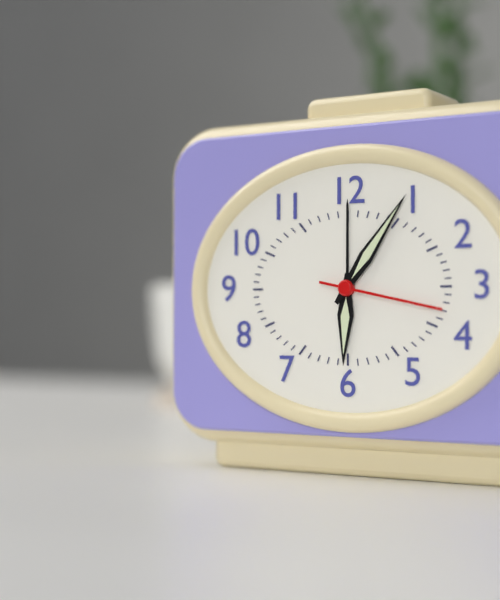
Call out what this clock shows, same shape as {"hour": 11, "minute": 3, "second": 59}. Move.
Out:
{"hour": 6, "minute": 6, "second": 17}
